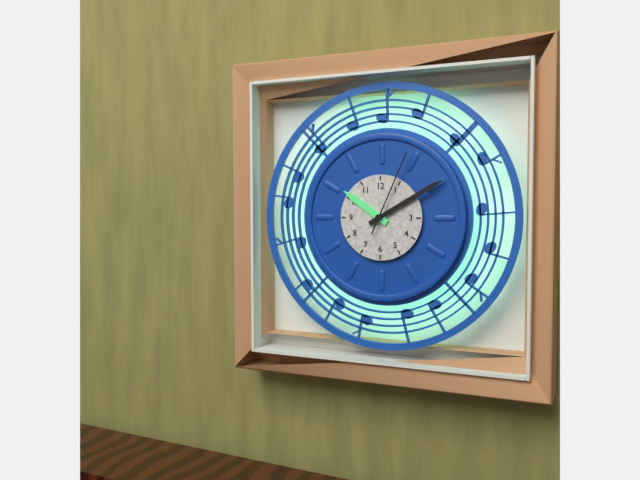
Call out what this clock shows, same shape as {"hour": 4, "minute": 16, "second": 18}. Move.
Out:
{"hour": 10, "minute": 10, "second": 4}
